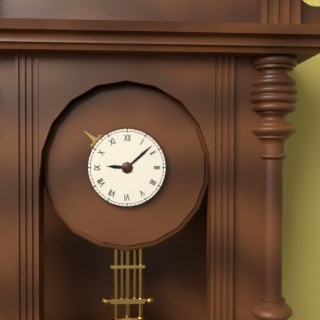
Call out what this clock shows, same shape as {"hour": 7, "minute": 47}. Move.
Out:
{"hour": 9, "minute": 8}
